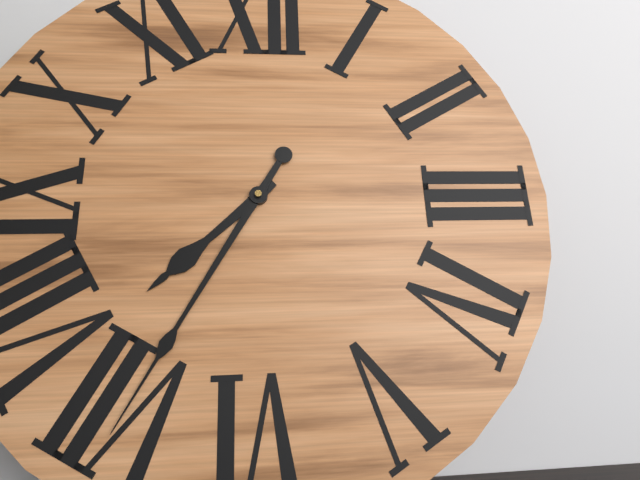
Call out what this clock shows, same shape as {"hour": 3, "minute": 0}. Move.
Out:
{"hour": 7, "minute": 35}
